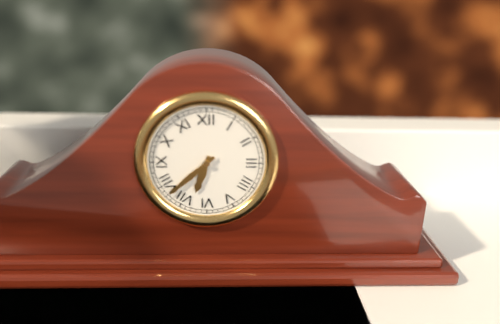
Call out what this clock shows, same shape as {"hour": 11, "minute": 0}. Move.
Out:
{"hour": 6, "minute": 38}
